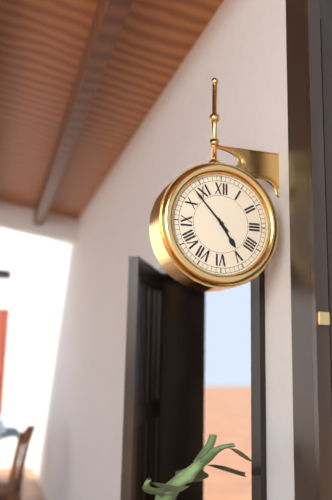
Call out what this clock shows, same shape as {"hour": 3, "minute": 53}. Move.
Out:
{"hour": 4, "minute": 53}
